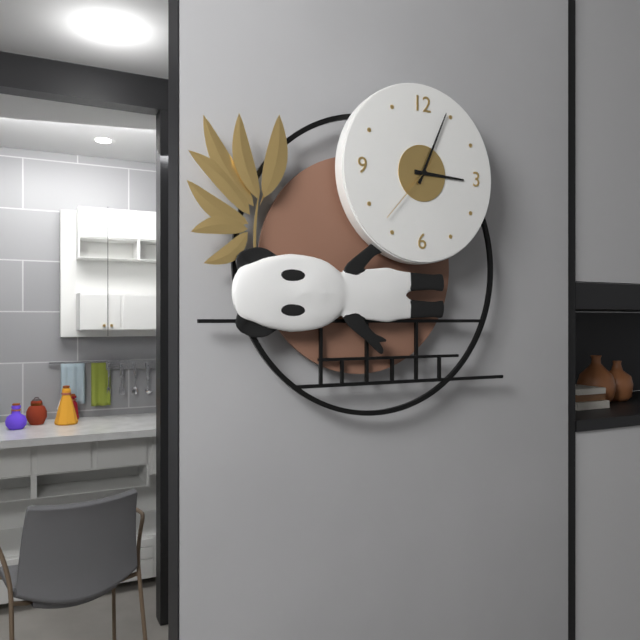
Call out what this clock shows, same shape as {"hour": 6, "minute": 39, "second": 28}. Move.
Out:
{"hour": 3, "minute": 4, "second": 37}
